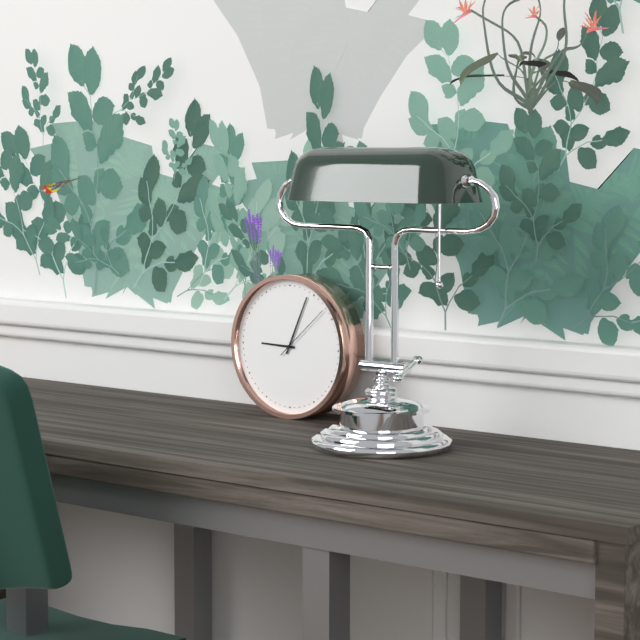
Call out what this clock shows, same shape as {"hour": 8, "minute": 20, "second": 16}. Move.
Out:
{"hour": 9, "minute": 4, "second": 8}
